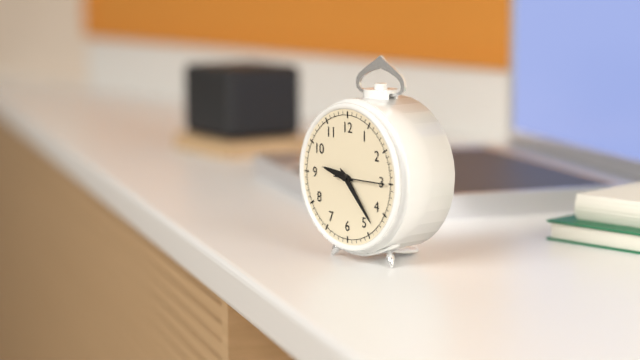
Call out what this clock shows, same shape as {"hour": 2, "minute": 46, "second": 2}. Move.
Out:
{"hour": 9, "minute": 23, "second": 15}
